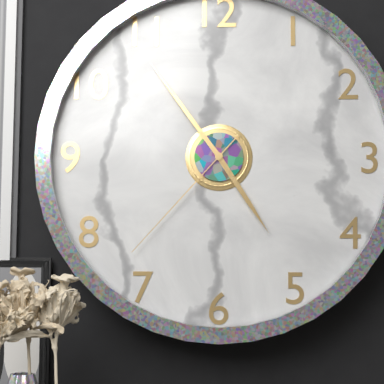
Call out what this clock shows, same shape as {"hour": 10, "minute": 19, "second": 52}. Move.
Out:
{"hour": 4, "minute": 54, "second": 37}
